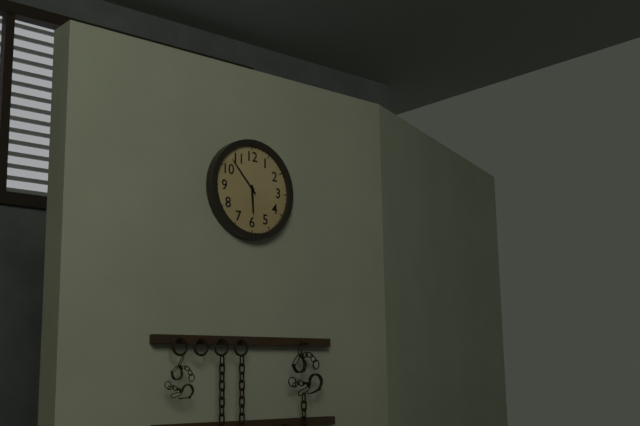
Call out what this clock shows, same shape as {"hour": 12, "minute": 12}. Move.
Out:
{"hour": 5, "minute": 53}
